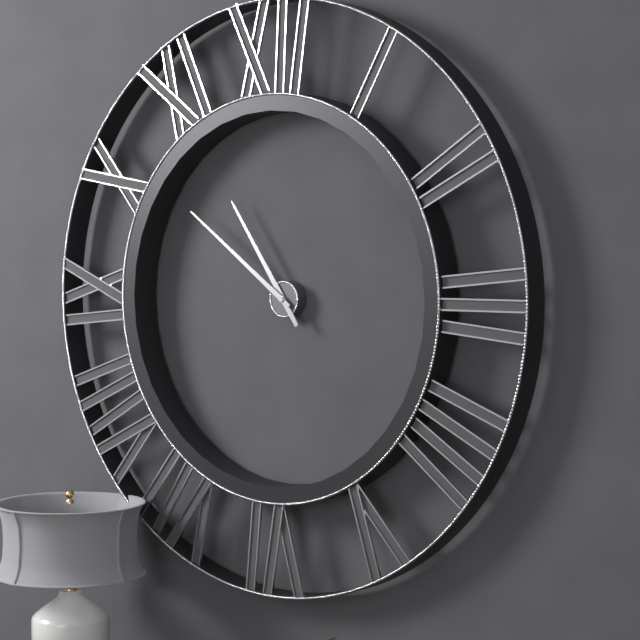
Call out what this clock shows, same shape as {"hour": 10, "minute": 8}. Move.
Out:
{"hour": 10, "minute": 51}
